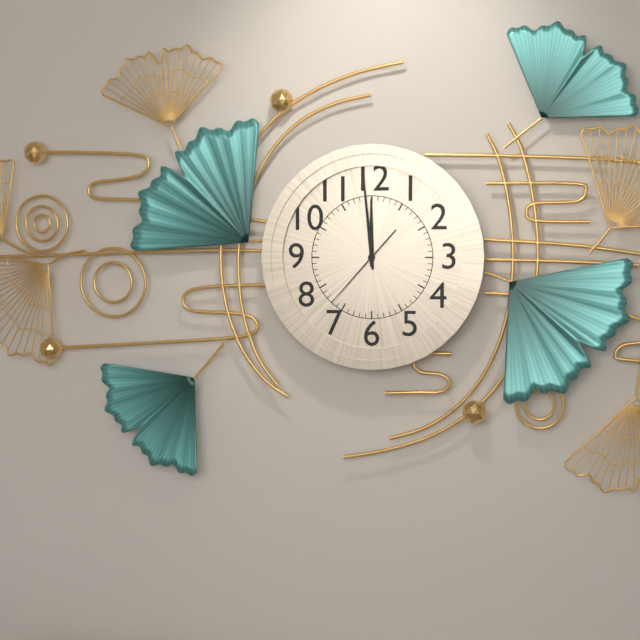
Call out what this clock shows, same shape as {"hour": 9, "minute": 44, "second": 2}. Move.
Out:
{"hour": 11, "minute": 59, "second": 37}
